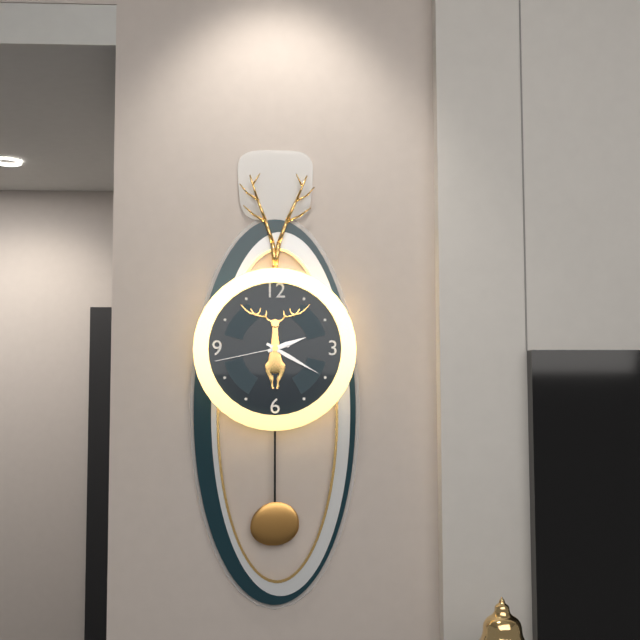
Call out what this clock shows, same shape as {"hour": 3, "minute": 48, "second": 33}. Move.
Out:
{"hour": 2, "minute": 20, "second": 43}
